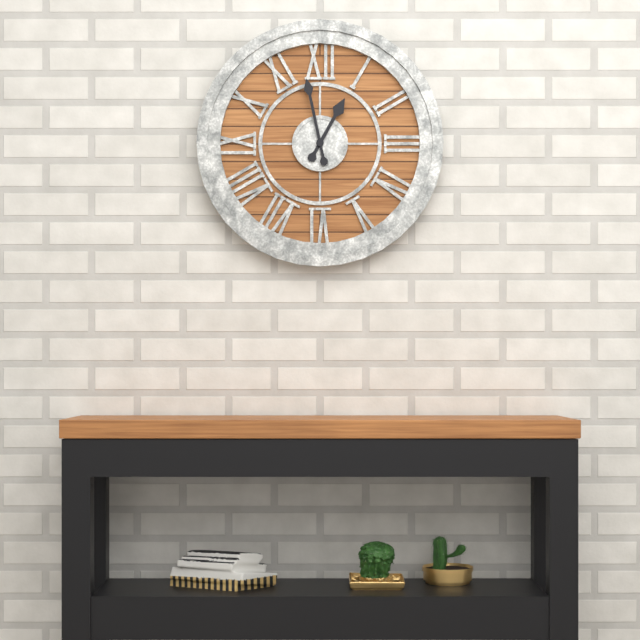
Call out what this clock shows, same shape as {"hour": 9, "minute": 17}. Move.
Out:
{"hour": 12, "minute": 58}
